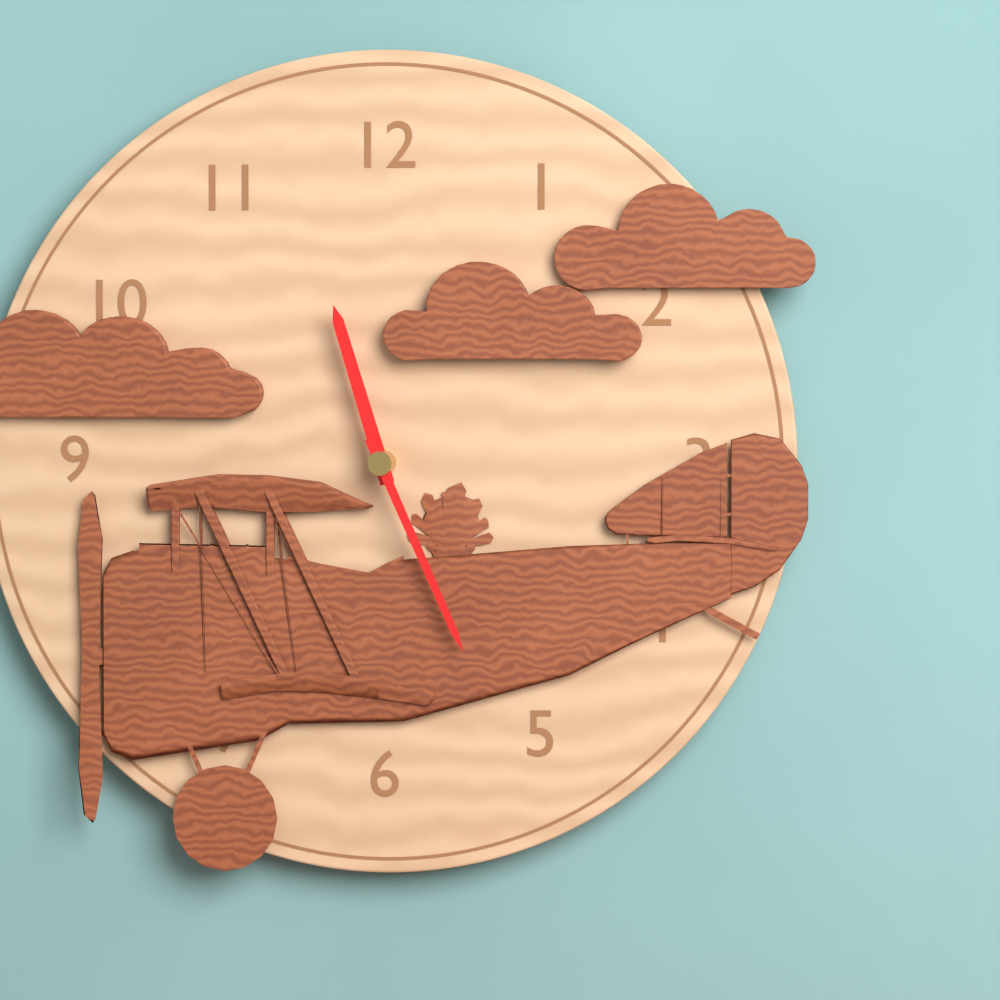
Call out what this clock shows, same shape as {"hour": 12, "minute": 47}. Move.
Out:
{"hour": 11, "minute": 26}
